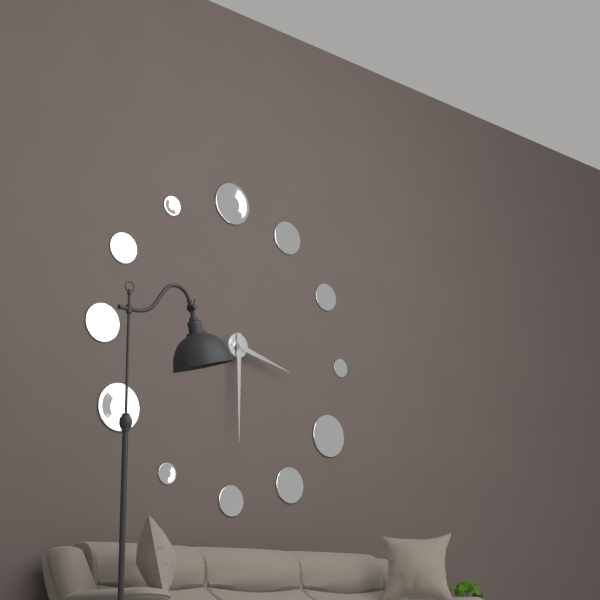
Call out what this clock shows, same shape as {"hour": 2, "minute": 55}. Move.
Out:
{"hour": 3, "minute": 30}
